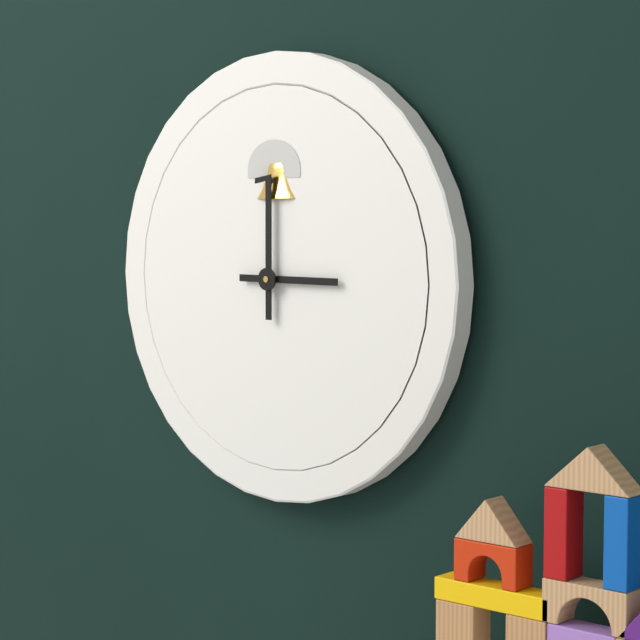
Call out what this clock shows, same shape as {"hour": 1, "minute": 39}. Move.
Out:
{"hour": 3, "minute": 0}
